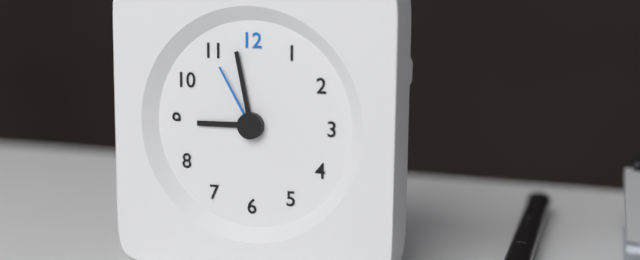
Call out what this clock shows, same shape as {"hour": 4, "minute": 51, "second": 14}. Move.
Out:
{"hour": 8, "minute": 58, "second": 55}
